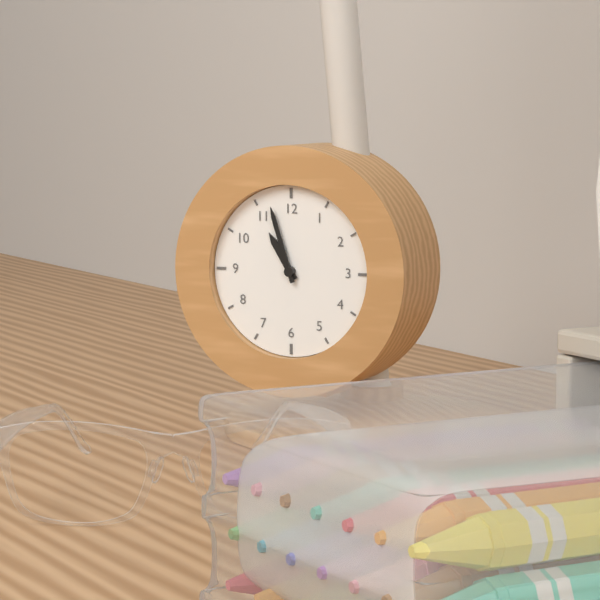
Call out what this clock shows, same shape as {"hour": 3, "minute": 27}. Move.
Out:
{"hour": 10, "minute": 57}
